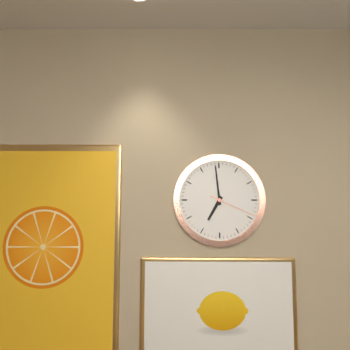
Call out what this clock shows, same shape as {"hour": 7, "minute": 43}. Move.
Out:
{"hour": 6, "minute": 59}
